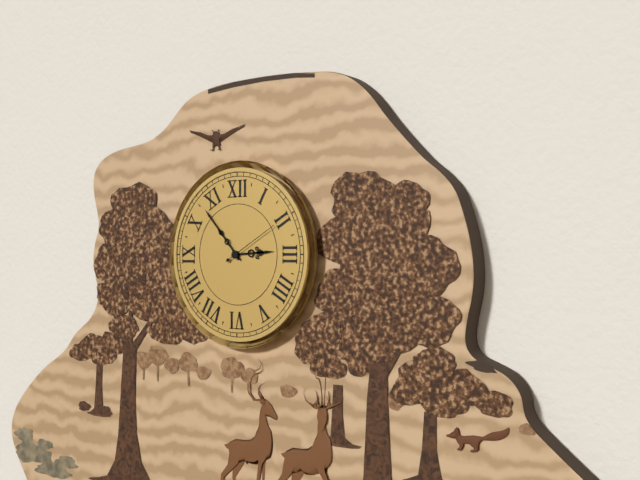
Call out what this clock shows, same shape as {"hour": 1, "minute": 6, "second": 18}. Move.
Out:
{"hour": 2, "minute": 53, "second": 10}
